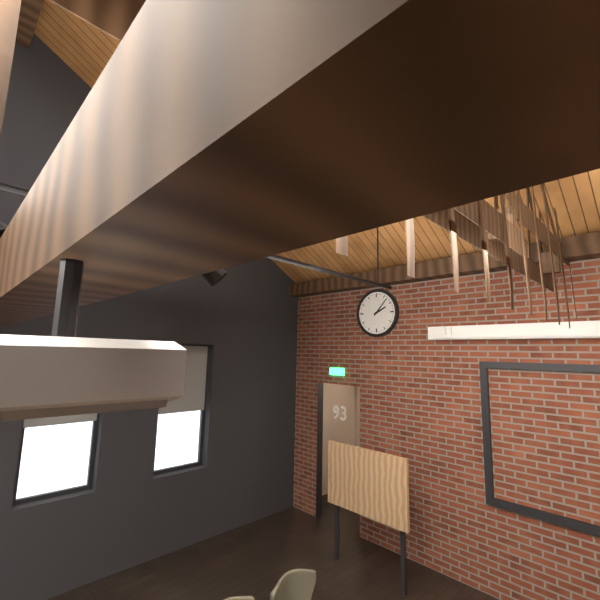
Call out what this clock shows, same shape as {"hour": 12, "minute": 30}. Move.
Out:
{"hour": 2, "minute": 7}
